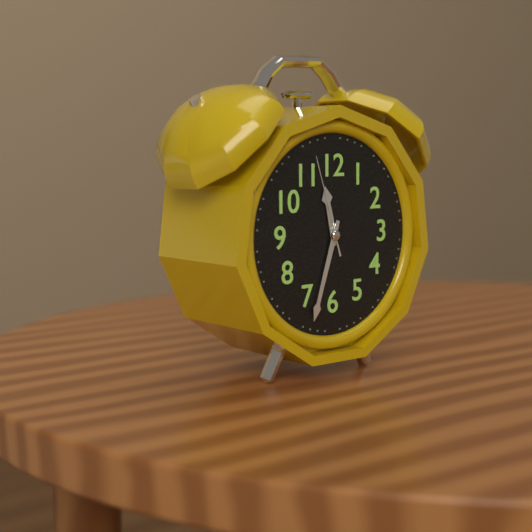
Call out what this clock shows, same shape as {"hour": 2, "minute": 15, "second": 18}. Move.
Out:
{"hour": 11, "minute": 33, "second": 57}
